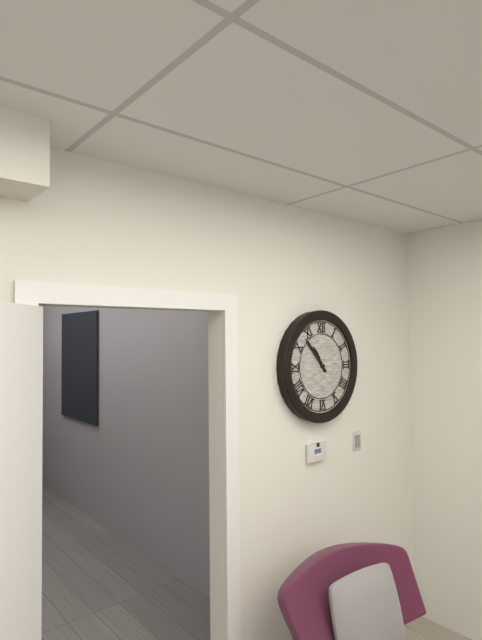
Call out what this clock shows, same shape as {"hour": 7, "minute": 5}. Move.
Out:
{"hour": 10, "minute": 53}
